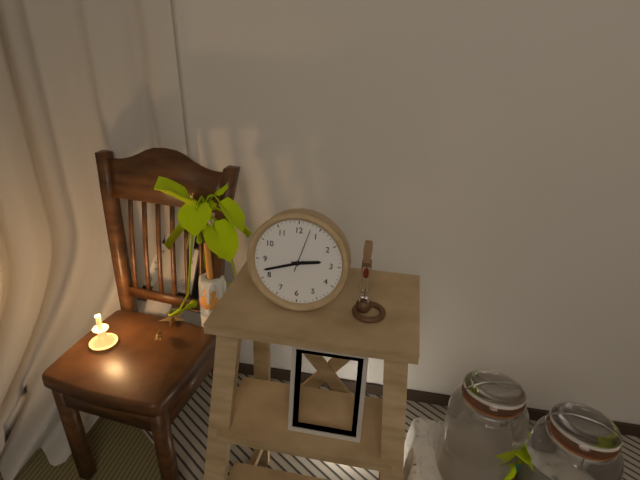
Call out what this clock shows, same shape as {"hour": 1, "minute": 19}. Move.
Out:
{"hour": 2, "minute": 42}
